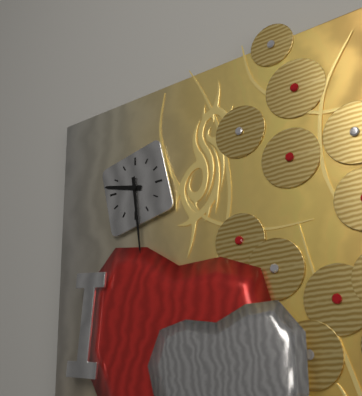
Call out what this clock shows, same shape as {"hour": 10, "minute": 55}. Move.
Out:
{"hour": 9, "minute": 29}
